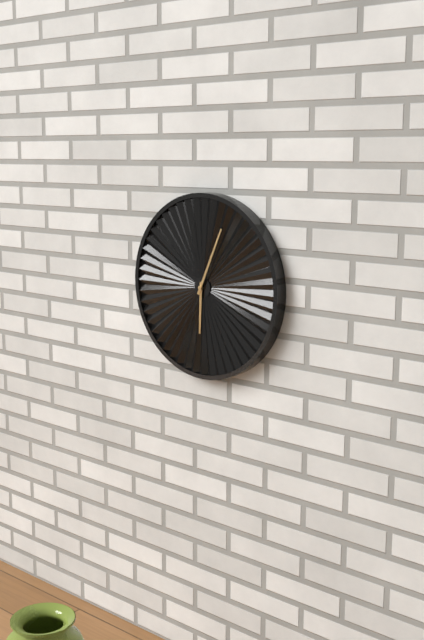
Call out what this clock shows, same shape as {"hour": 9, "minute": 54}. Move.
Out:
{"hour": 6, "minute": 4}
